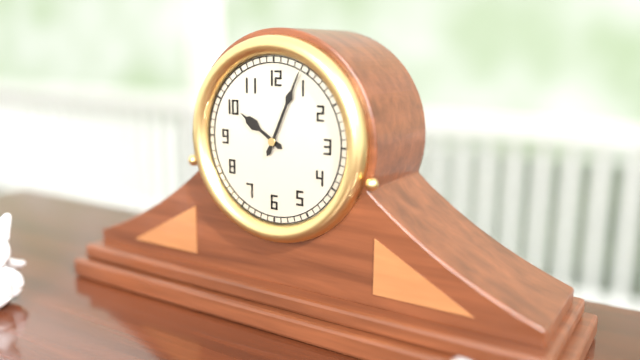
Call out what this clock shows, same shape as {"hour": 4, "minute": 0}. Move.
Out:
{"hour": 10, "minute": 4}
